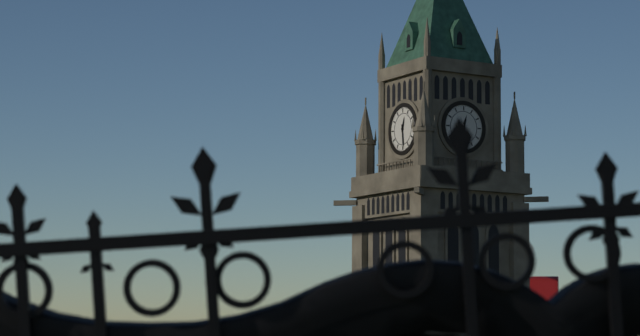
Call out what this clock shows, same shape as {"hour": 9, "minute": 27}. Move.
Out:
{"hour": 12, "minute": 29}
